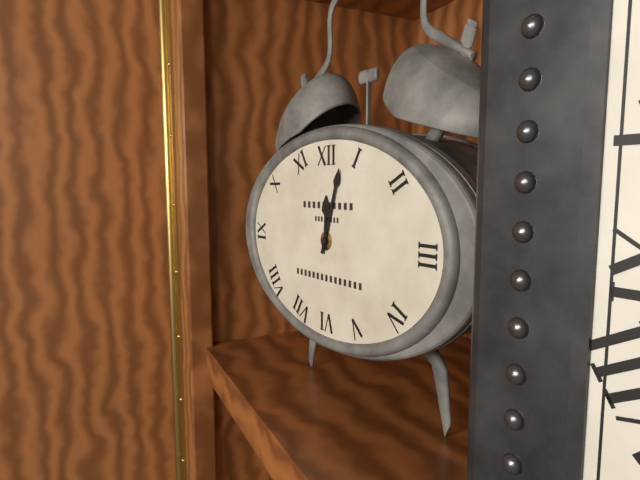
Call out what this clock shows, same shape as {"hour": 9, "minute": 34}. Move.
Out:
{"hour": 12, "minute": 3}
